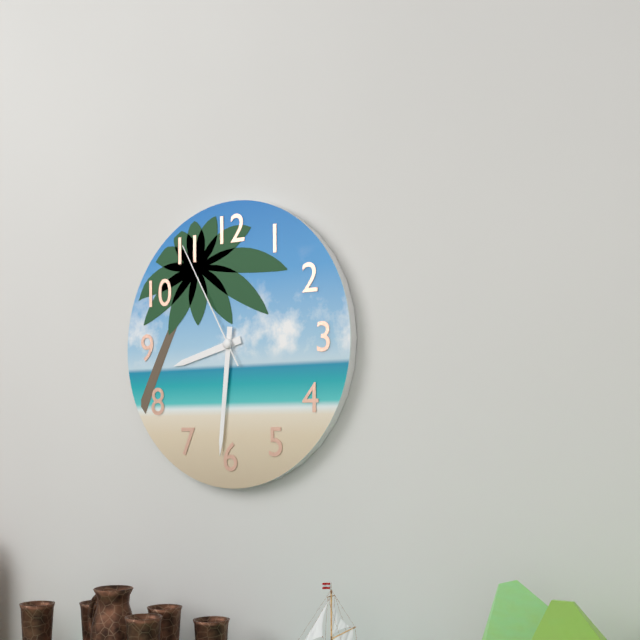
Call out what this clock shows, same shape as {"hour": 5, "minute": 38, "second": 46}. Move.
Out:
{"hour": 8, "minute": 31, "second": 55}
